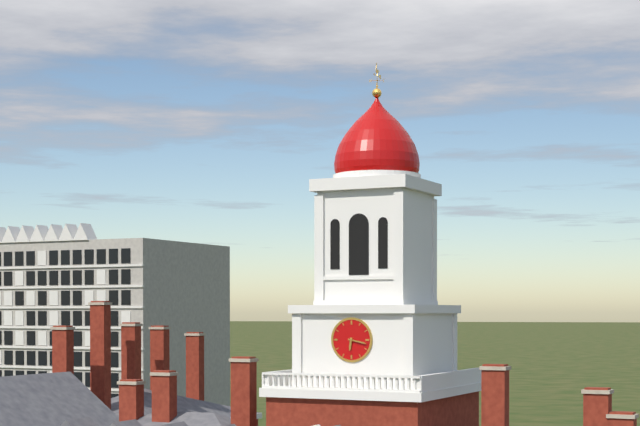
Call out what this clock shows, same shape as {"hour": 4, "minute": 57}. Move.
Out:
{"hour": 6, "minute": 17}
